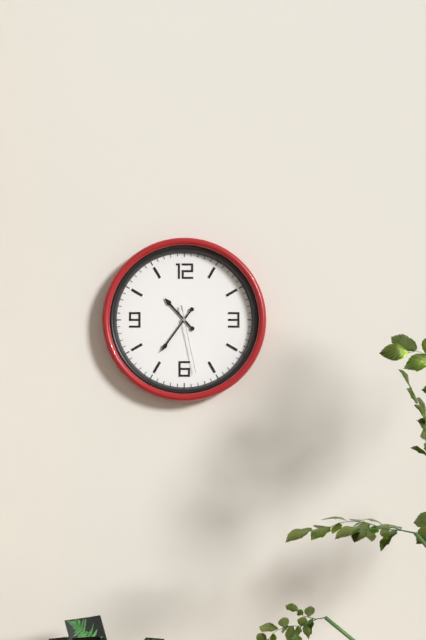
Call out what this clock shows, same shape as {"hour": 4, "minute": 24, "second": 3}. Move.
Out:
{"hour": 10, "minute": 36, "second": 28}
